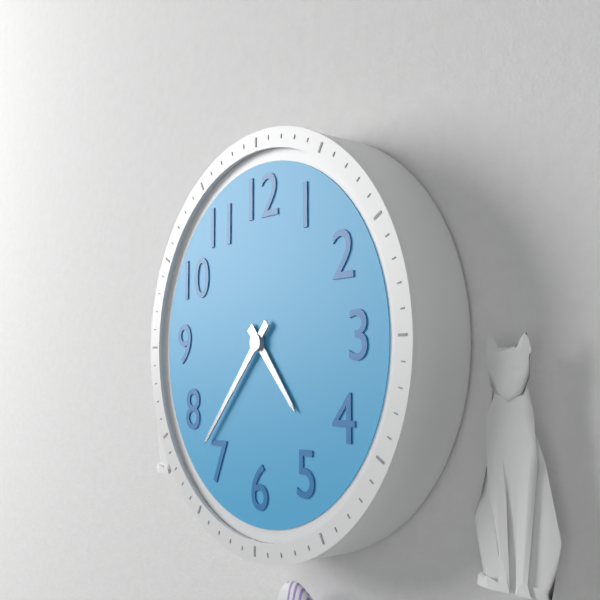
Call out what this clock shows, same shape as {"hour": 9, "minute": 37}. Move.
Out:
{"hour": 4, "minute": 37}
